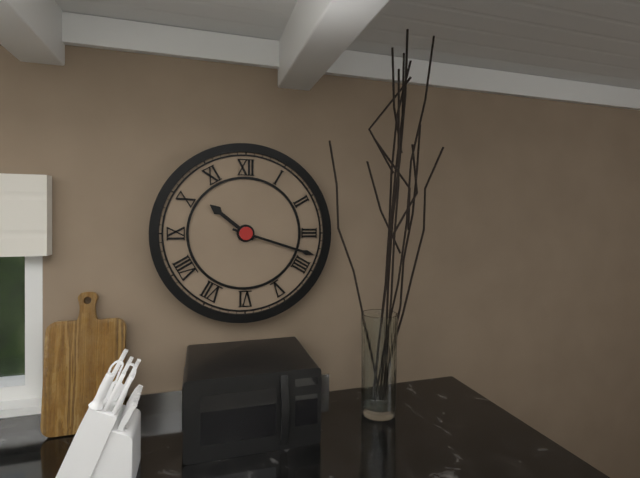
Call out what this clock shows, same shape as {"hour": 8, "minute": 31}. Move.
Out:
{"hour": 10, "minute": 18}
